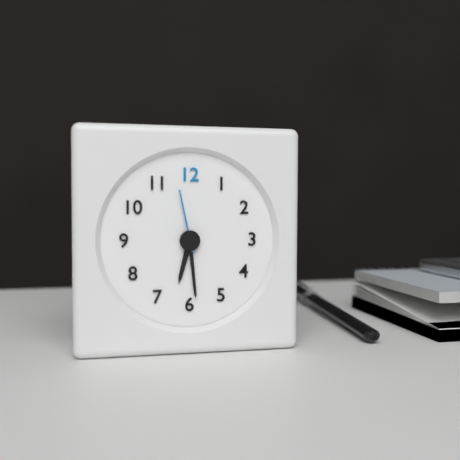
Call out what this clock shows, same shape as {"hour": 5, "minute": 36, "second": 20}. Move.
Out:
{"hour": 6, "minute": 29, "second": 58}
